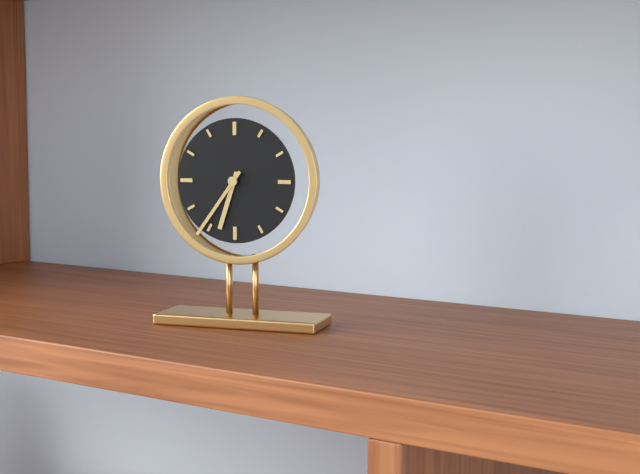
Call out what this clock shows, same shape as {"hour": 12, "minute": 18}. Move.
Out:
{"hour": 6, "minute": 36}
